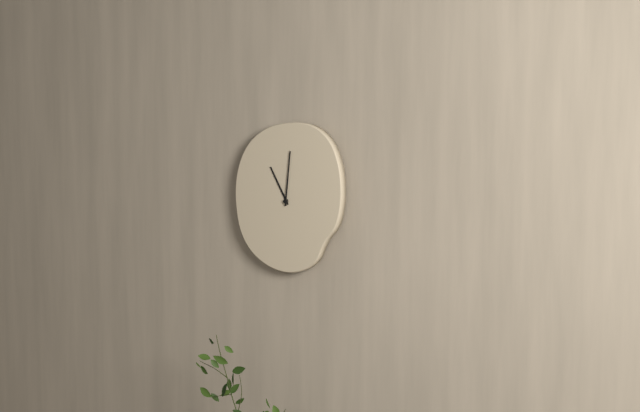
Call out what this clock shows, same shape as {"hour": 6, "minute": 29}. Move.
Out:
{"hour": 11, "minute": 1}
